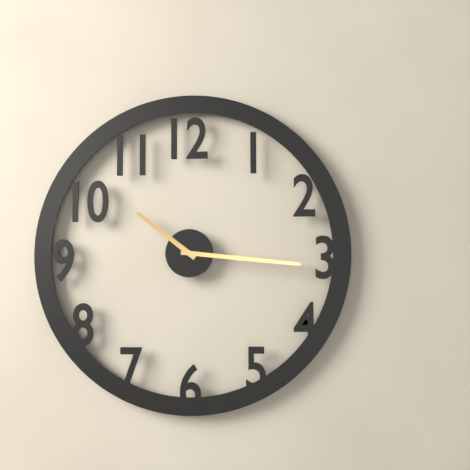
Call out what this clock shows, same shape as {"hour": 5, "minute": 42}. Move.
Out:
{"hour": 10, "minute": 16}
